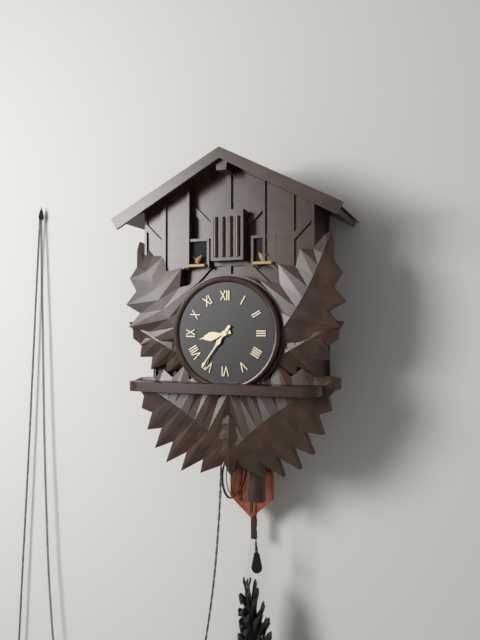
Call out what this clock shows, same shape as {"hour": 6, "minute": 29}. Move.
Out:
{"hour": 8, "minute": 36}
